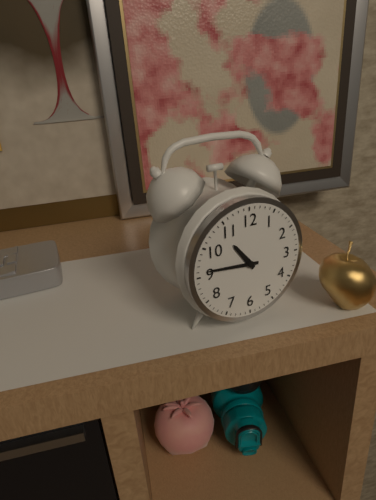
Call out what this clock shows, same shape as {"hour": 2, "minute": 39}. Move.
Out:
{"hour": 10, "minute": 46}
